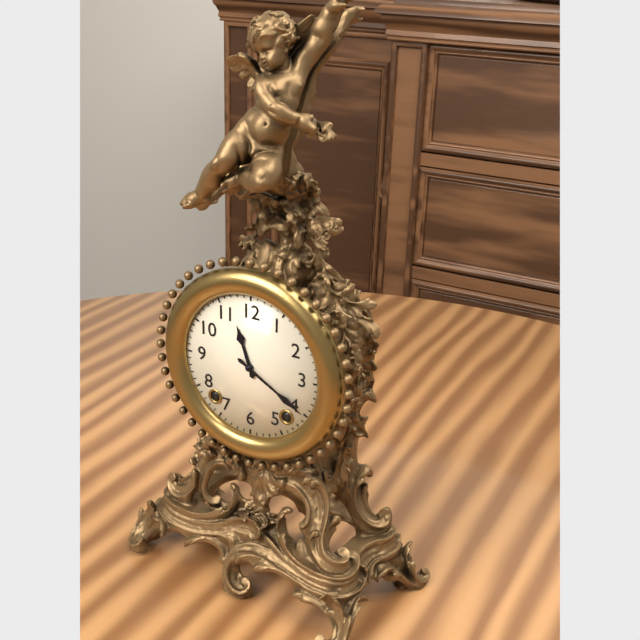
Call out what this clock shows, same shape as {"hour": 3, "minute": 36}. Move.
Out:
{"hour": 11, "minute": 20}
